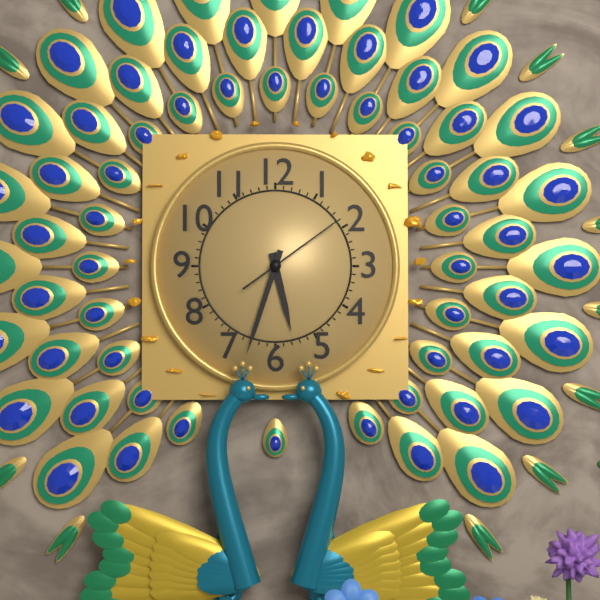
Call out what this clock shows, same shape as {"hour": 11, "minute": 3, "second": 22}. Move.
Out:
{"hour": 5, "minute": 33, "second": 9}
